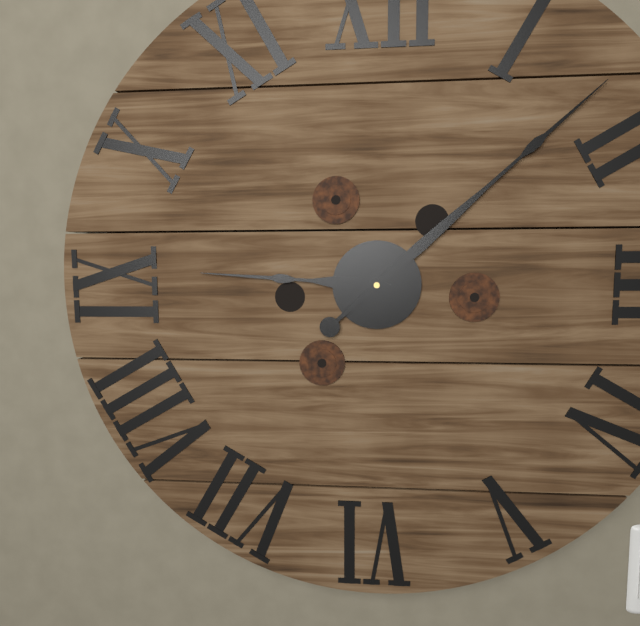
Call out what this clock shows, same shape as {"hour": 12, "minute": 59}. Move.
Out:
{"hour": 9, "minute": 8}
